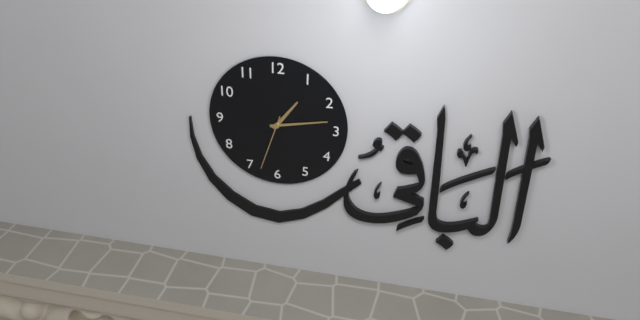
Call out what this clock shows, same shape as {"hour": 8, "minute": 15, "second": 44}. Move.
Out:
{"hour": 1, "minute": 13, "second": 33}
